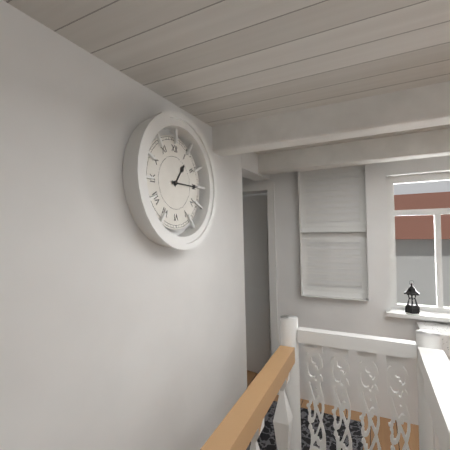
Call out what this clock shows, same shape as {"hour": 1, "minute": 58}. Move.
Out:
{"hour": 1, "minute": 15}
